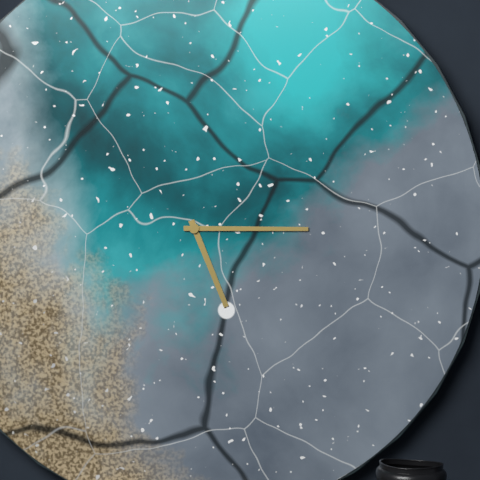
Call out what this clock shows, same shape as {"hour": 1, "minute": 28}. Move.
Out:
{"hour": 5, "minute": 15}
